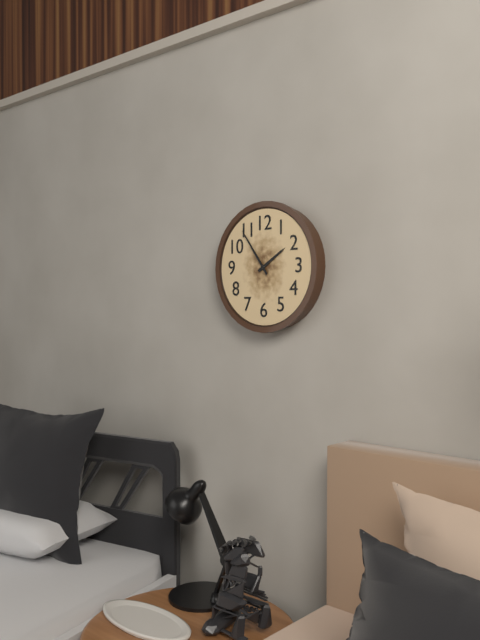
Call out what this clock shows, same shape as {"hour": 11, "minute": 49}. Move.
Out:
{"hour": 1, "minute": 54}
